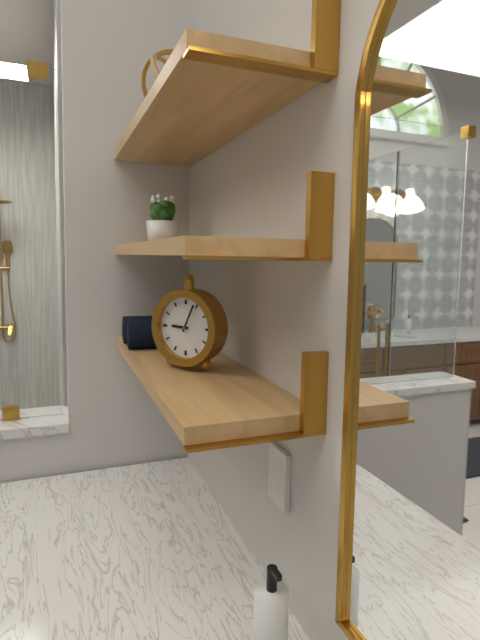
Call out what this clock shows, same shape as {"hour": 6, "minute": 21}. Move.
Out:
{"hour": 9, "minute": 4}
